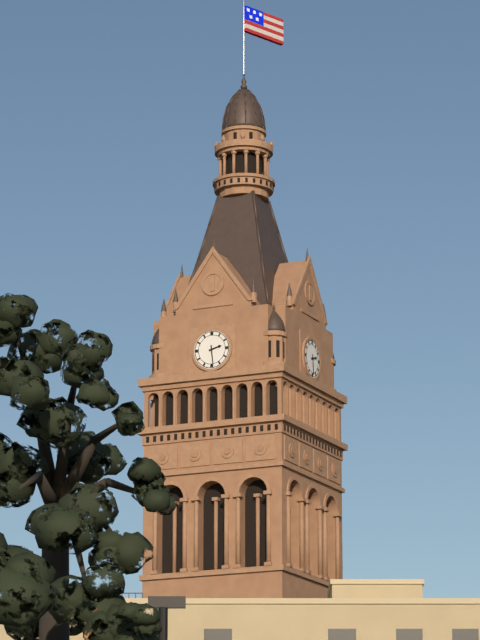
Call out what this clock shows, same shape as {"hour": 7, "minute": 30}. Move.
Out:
{"hour": 2, "minute": 29}
